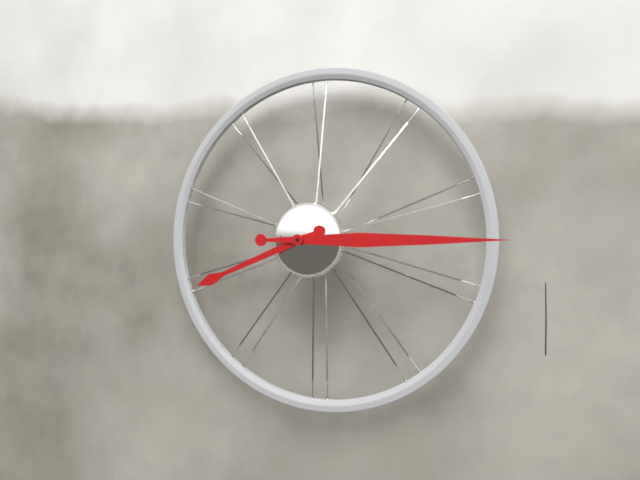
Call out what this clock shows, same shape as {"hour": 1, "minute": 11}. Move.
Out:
{"hour": 8, "minute": 15}
